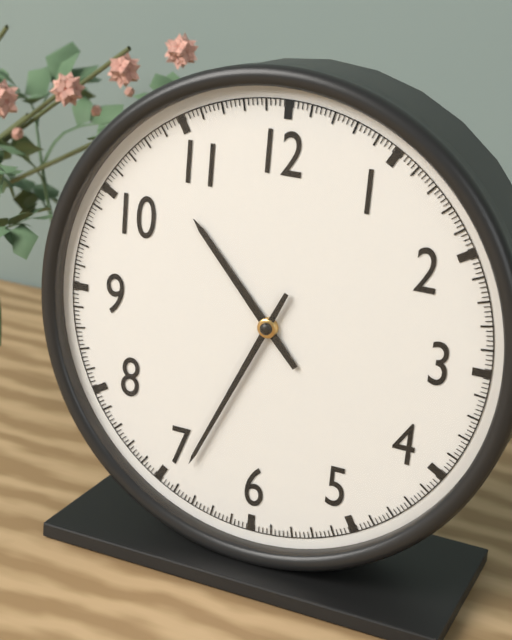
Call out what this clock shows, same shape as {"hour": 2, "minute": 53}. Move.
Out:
{"hour": 10, "minute": 34}
